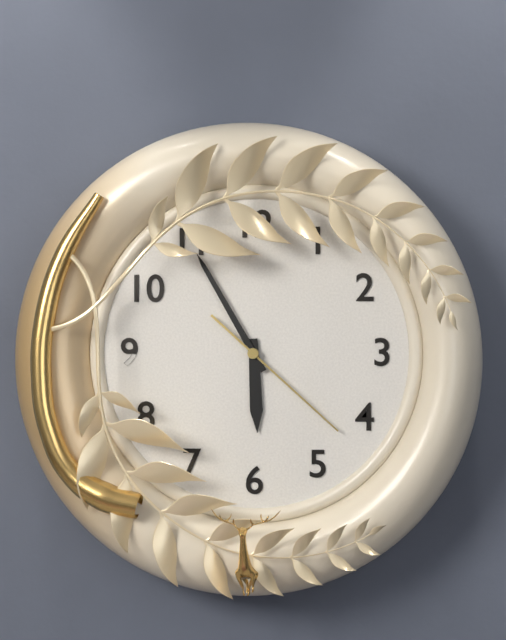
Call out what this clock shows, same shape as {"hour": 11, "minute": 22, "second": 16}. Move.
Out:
{"hour": 5, "minute": 55, "second": 22}
